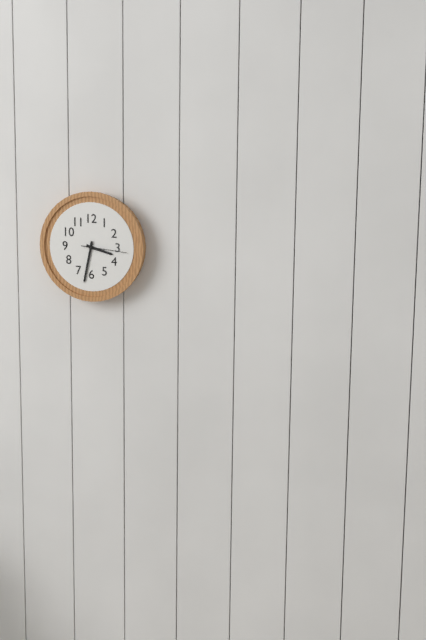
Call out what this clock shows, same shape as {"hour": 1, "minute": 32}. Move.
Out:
{"hour": 3, "minute": 32}
